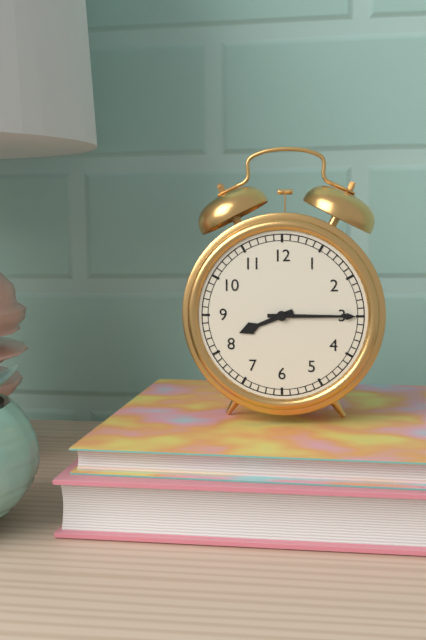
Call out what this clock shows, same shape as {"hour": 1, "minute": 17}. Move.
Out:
{"hour": 8, "minute": 15}
